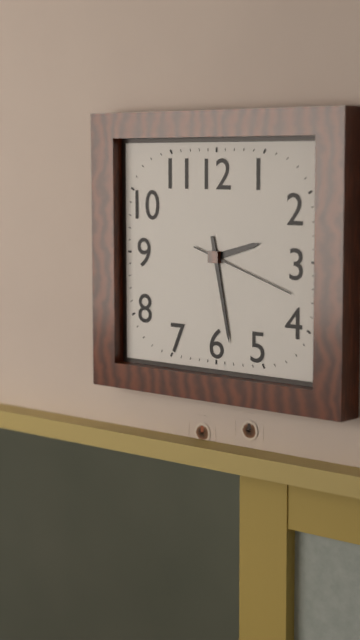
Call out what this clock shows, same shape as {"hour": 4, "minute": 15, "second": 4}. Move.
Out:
{"hour": 2, "minute": 28, "second": 18}
